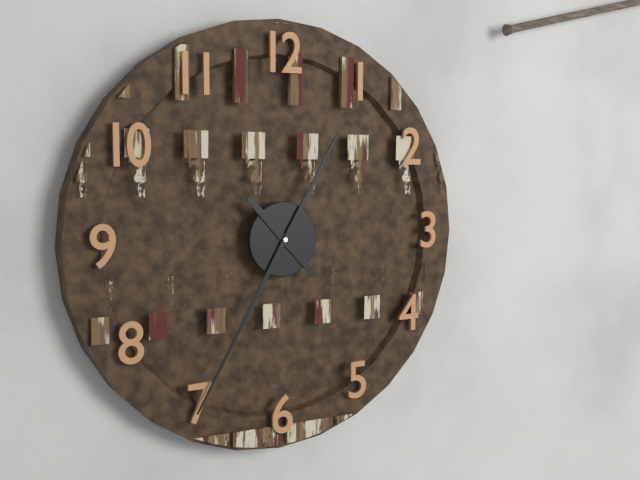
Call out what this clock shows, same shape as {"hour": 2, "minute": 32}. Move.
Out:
{"hour": 10, "minute": 35}
